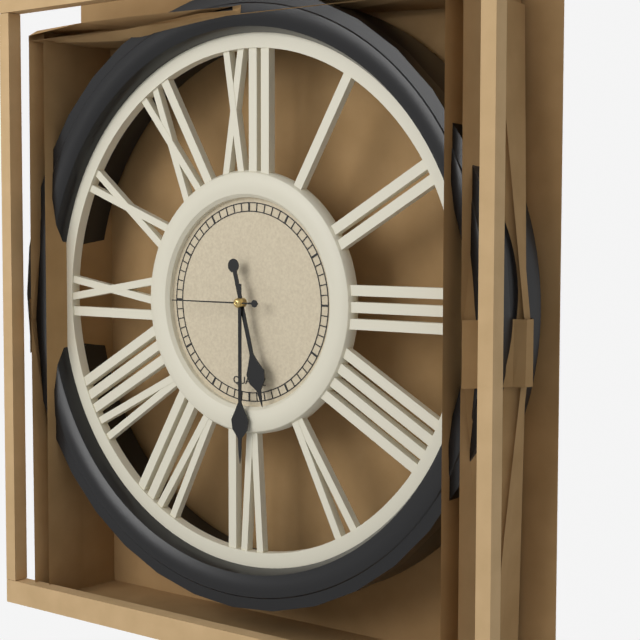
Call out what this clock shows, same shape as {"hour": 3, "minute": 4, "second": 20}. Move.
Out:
{"hour": 5, "minute": 30, "second": 45}
